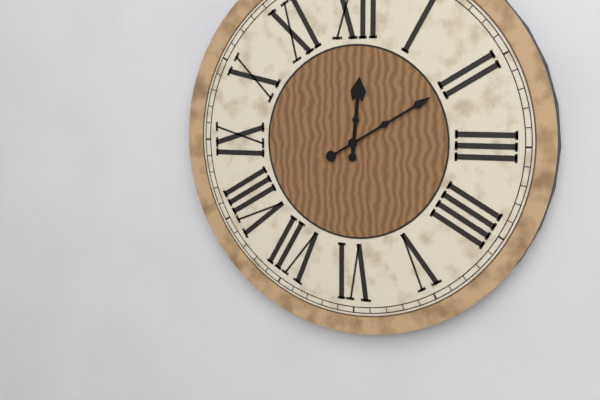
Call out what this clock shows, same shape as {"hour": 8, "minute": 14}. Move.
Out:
{"hour": 12, "minute": 10}
